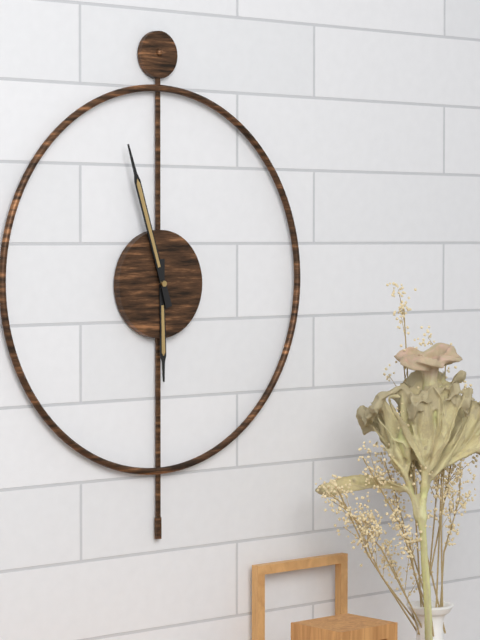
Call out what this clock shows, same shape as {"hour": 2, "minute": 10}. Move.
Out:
{"hour": 5, "minute": 57}
